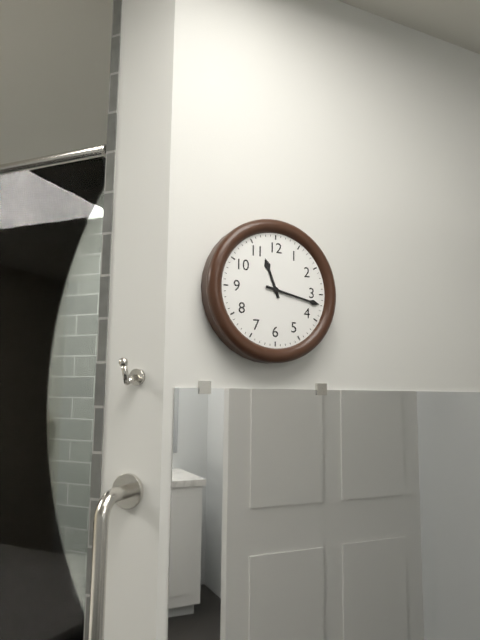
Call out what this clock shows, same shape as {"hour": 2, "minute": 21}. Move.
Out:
{"hour": 11, "minute": 17}
